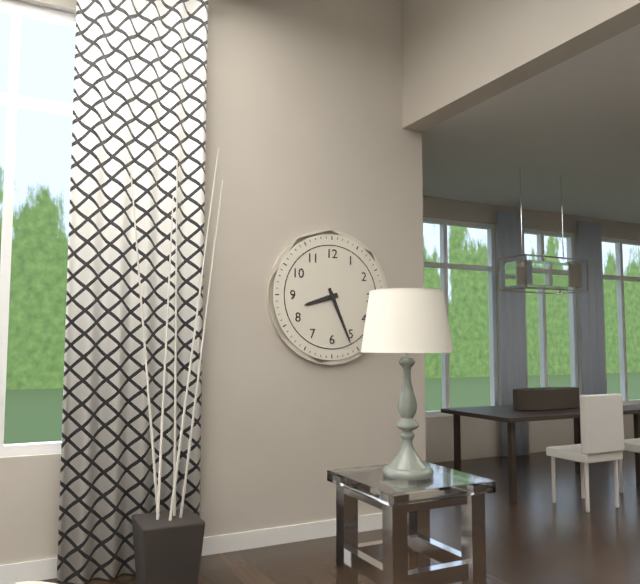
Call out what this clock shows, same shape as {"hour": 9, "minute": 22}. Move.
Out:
{"hour": 8, "minute": 26}
